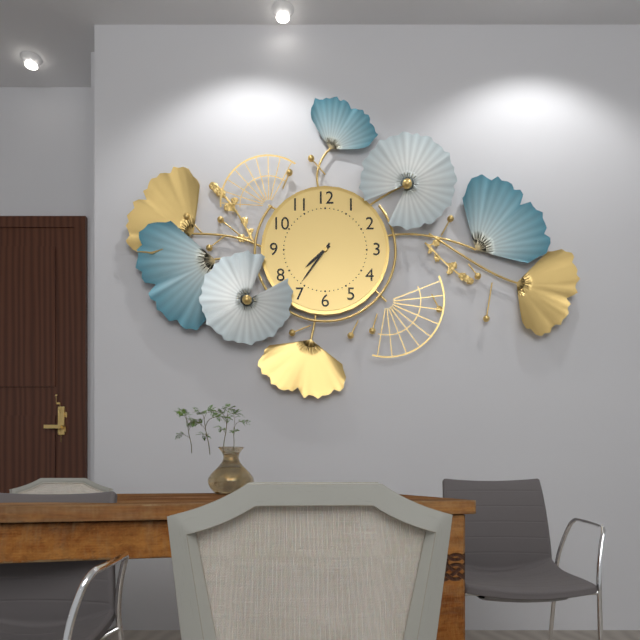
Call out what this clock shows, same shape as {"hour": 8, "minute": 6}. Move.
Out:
{"hour": 7, "minute": 36}
